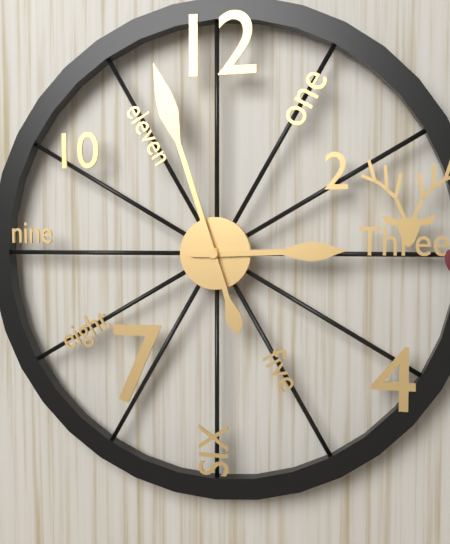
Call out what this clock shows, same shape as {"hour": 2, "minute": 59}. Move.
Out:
{"hour": 2, "minute": 57}
